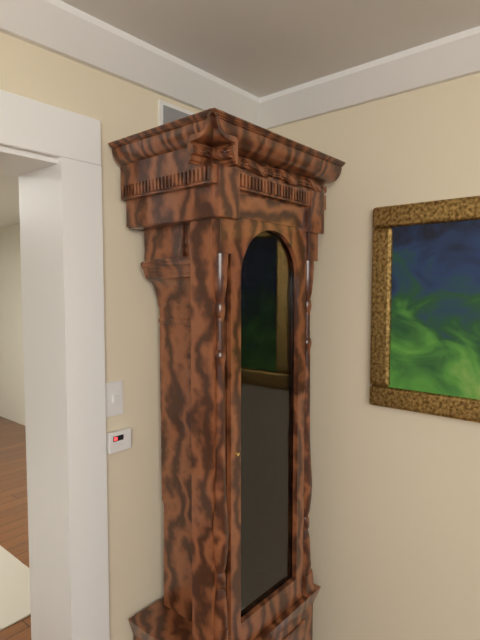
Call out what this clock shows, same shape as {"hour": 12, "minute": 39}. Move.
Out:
{"hour": 9, "minute": 48}
